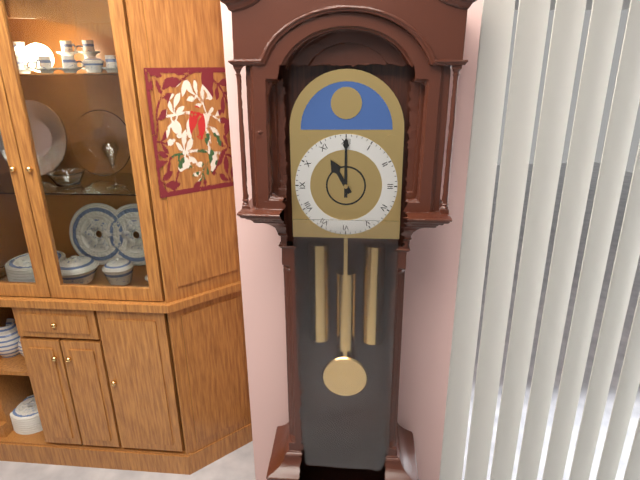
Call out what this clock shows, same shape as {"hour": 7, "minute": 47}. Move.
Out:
{"hour": 11, "minute": 0}
